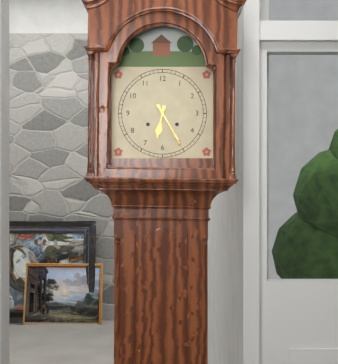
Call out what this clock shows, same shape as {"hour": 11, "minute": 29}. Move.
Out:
{"hour": 6, "minute": 25}
